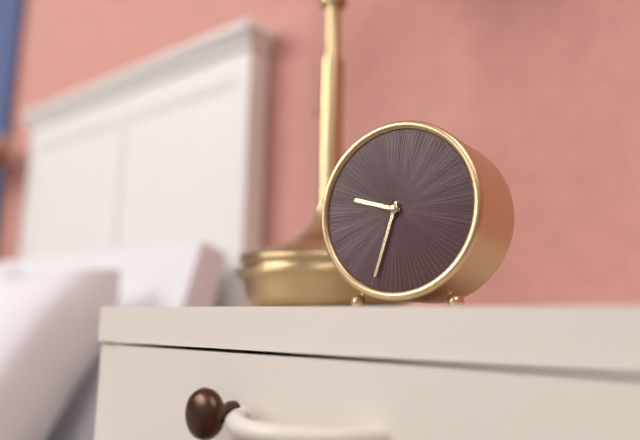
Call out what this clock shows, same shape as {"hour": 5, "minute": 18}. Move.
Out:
{"hour": 9, "minute": 33}
